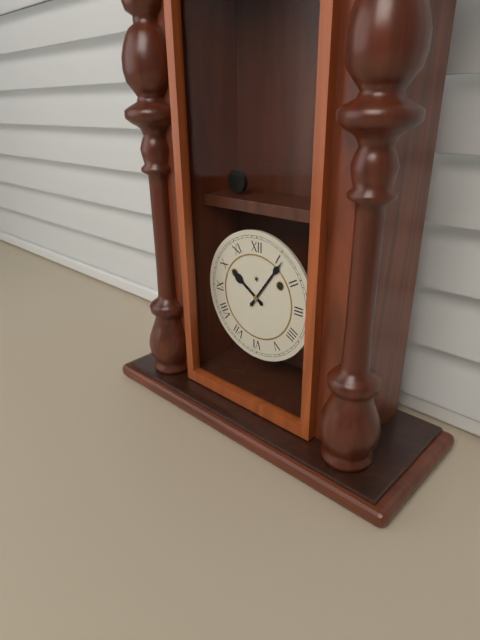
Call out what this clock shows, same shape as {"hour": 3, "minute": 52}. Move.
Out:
{"hour": 10, "minute": 6}
